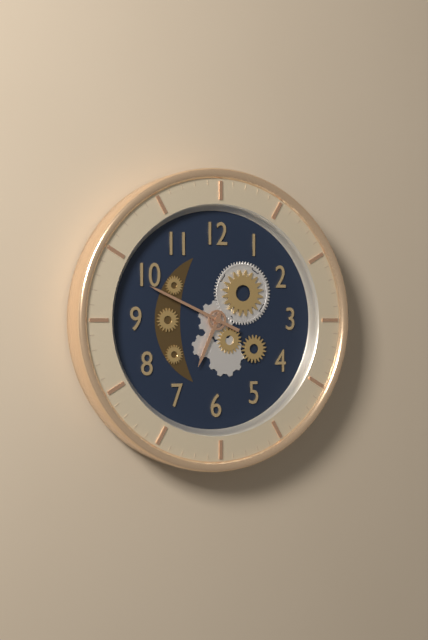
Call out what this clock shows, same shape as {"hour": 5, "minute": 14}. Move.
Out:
{"hour": 6, "minute": 49}
